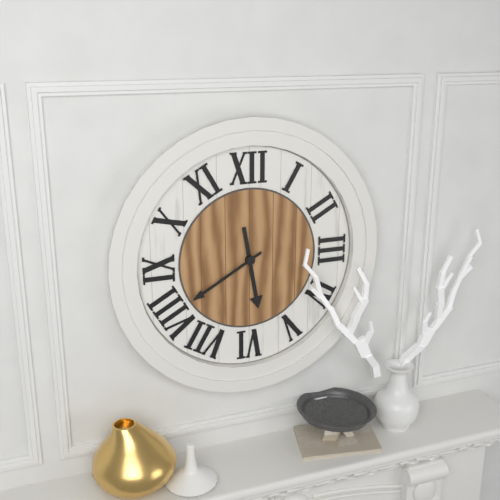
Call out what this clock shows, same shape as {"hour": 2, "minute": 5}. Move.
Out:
{"hour": 5, "minute": 40}
